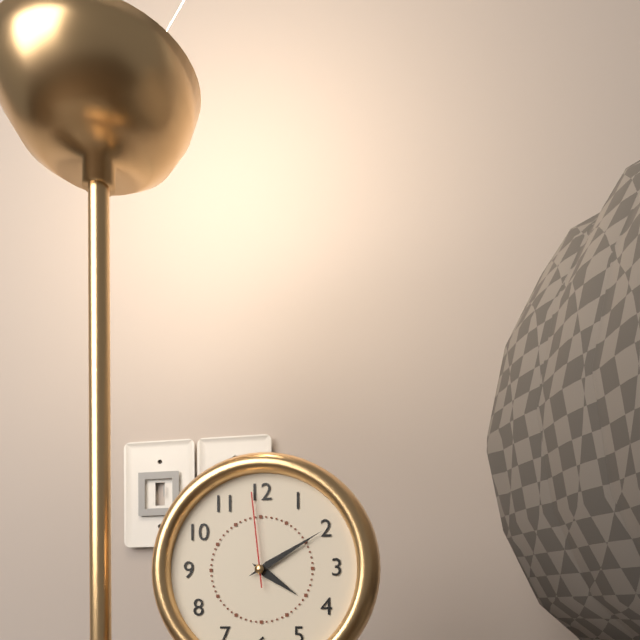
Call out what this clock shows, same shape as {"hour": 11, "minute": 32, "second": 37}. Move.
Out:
{"hour": 4, "minute": 10, "second": 59}
